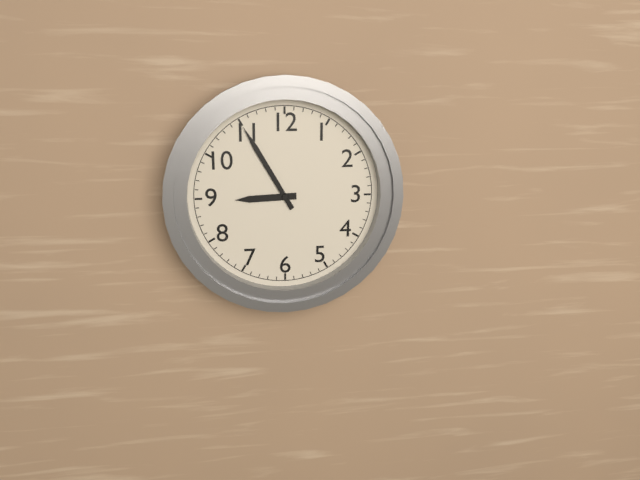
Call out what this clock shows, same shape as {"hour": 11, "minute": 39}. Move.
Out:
{"hour": 8, "minute": 55}
